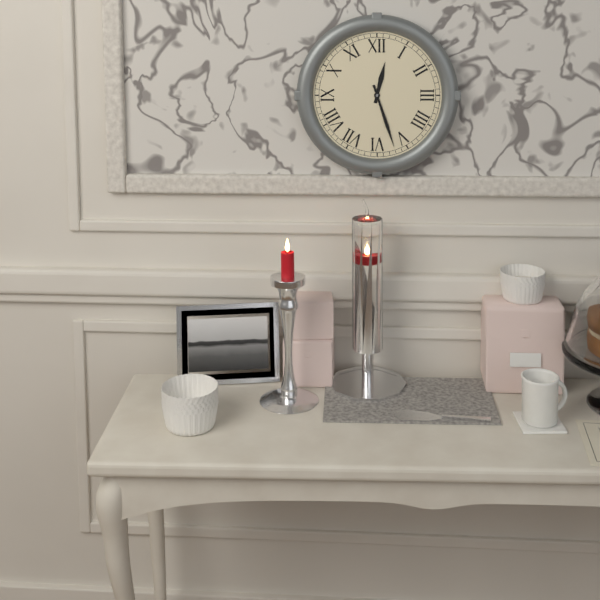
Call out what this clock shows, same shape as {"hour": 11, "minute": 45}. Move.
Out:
{"hour": 12, "minute": 27}
